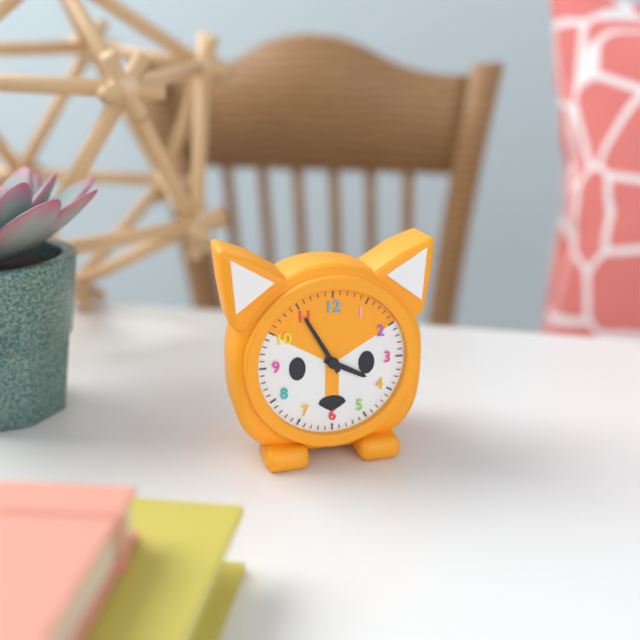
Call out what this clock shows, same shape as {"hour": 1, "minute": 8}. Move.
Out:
{"hour": 3, "minute": 55}
